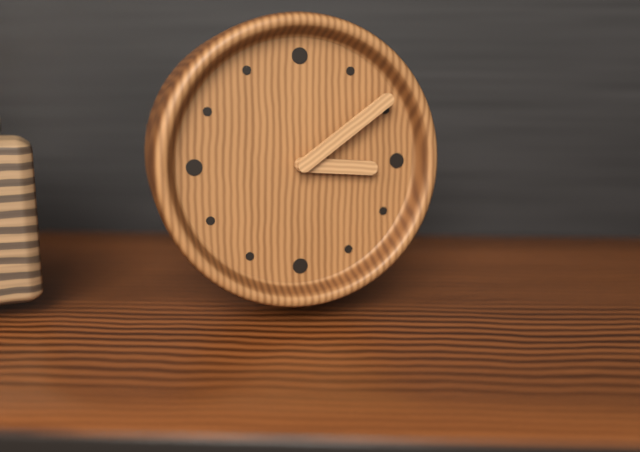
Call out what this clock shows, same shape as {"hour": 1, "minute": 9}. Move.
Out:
{"hour": 3, "minute": 9}
